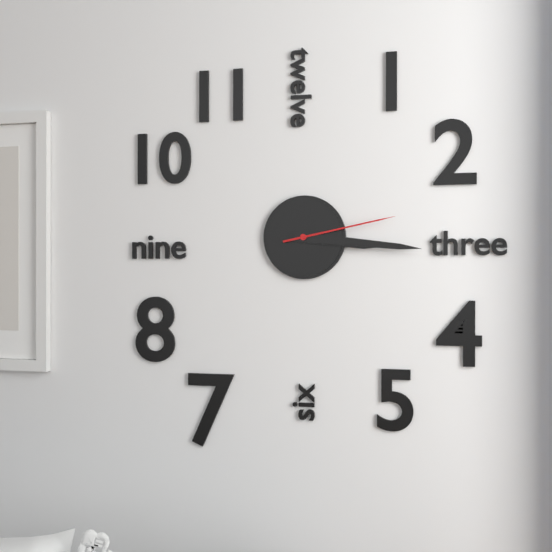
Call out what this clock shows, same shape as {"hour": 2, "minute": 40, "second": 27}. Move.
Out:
{"hour": 3, "minute": 16, "second": 13}
